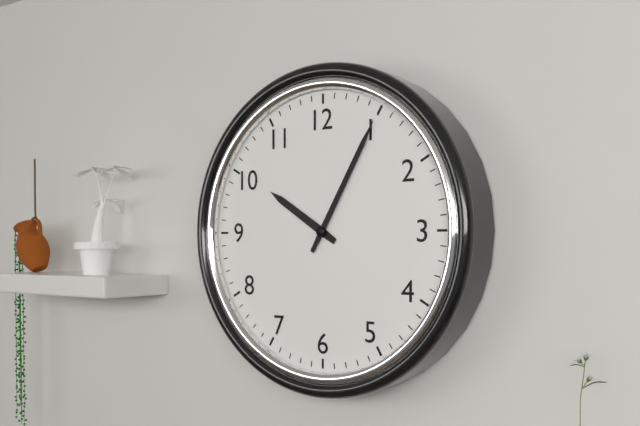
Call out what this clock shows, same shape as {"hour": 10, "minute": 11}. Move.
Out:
{"hour": 10, "minute": 5}
